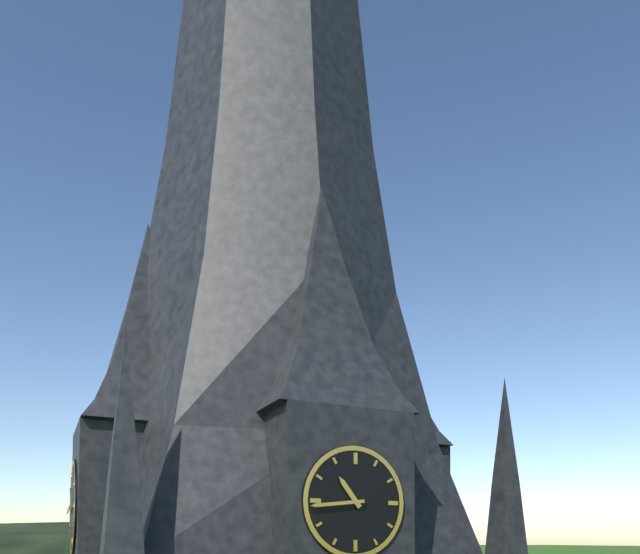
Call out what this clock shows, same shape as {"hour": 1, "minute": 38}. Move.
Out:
{"hour": 10, "minute": 44}
